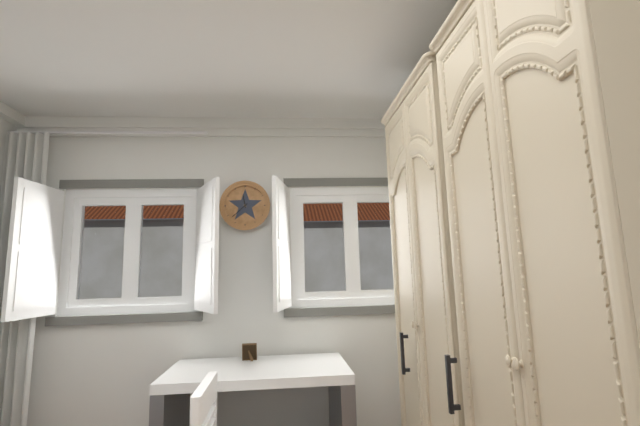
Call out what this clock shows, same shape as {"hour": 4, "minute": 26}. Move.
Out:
{"hour": 11, "minute": 38}
